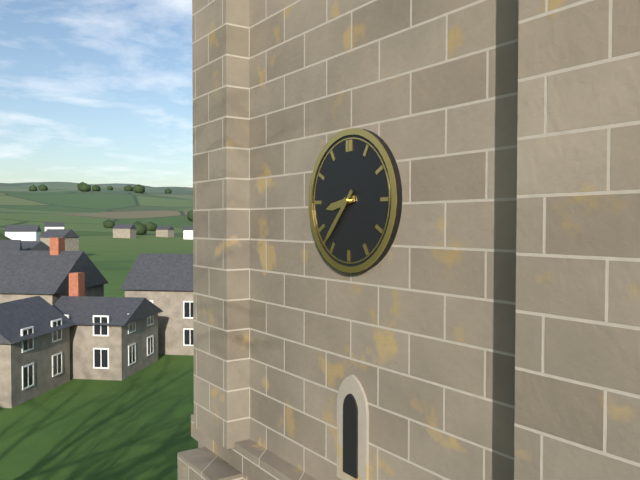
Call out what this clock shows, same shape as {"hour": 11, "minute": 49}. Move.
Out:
{"hour": 8, "minute": 37}
